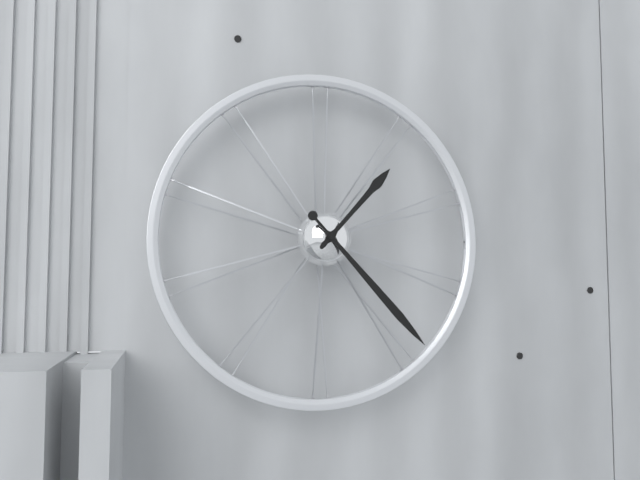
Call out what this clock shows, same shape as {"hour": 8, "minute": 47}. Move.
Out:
{"hour": 1, "minute": 23}
